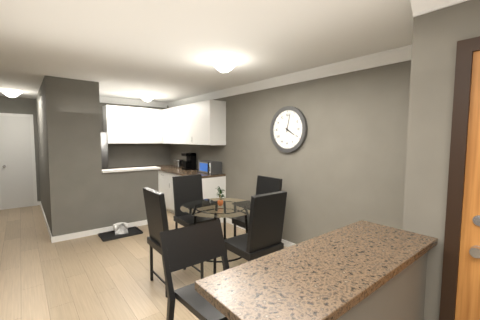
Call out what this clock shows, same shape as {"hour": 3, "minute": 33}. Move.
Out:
{"hour": 4, "minute": 2}
